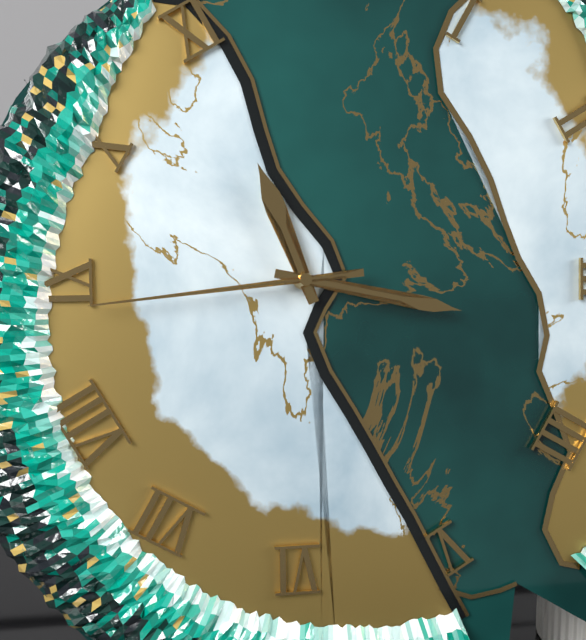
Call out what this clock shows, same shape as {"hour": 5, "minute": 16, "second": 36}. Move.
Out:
{"hour": 11, "minute": 17, "second": 44}
